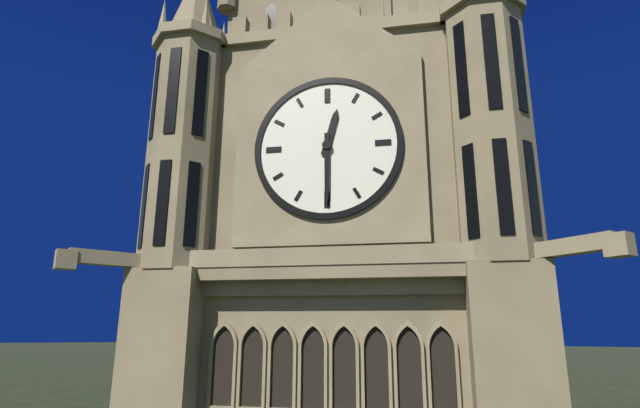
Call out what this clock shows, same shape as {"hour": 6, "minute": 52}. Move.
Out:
{"hour": 12, "minute": 30}
